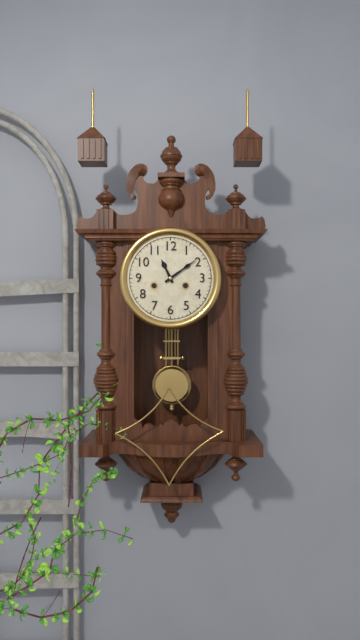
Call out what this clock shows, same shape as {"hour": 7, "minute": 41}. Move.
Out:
{"hour": 11, "minute": 9}
